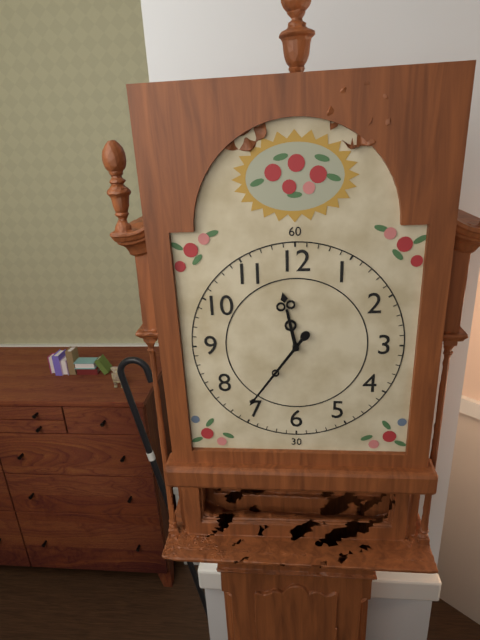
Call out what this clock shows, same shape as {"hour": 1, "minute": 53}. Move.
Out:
{"hour": 11, "minute": 36}
